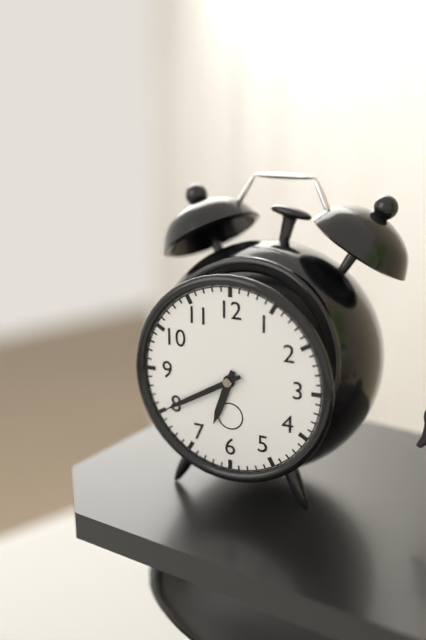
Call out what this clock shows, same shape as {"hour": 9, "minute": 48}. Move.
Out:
{"hour": 6, "minute": 40}
